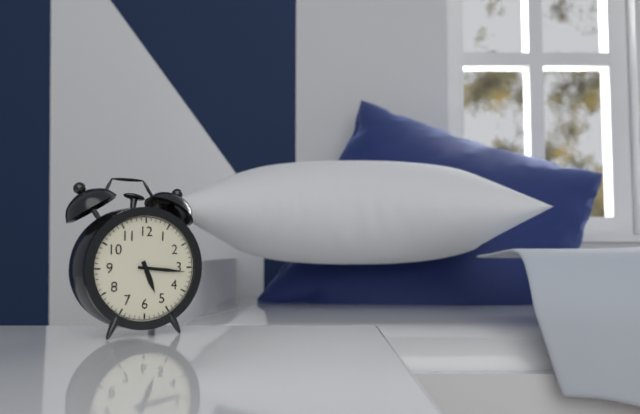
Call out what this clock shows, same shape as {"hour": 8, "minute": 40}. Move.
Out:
{"hour": 5, "minute": 16}
